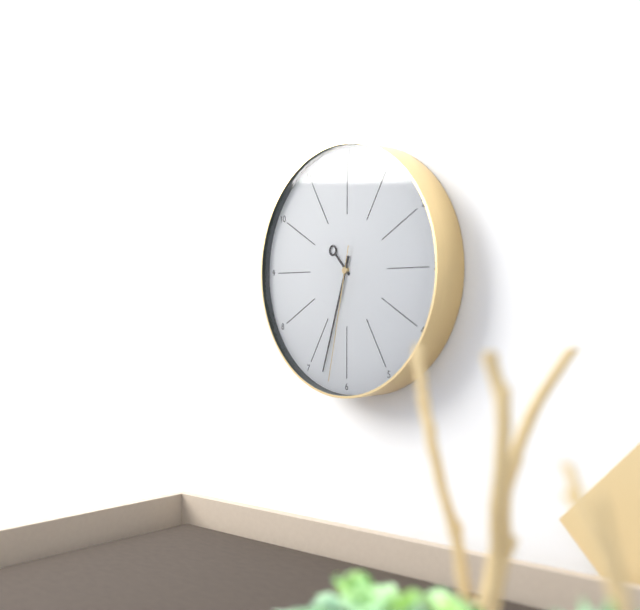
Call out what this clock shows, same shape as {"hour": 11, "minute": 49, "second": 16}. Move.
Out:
{"hour": 10, "minute": 33, "second": 32}
